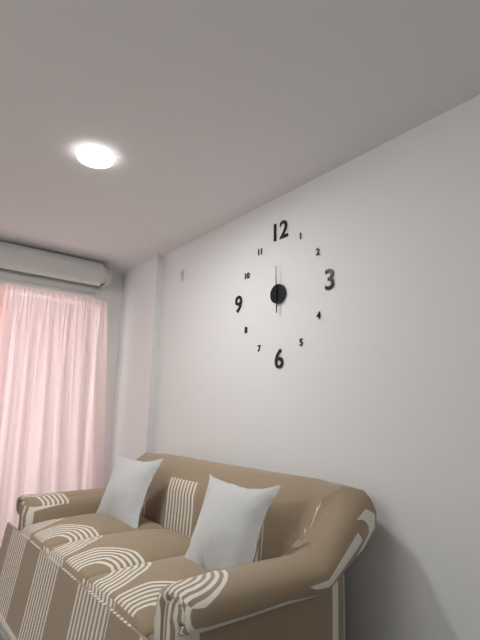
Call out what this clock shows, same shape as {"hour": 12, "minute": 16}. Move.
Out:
{"hour": 6, "minute": 0}
